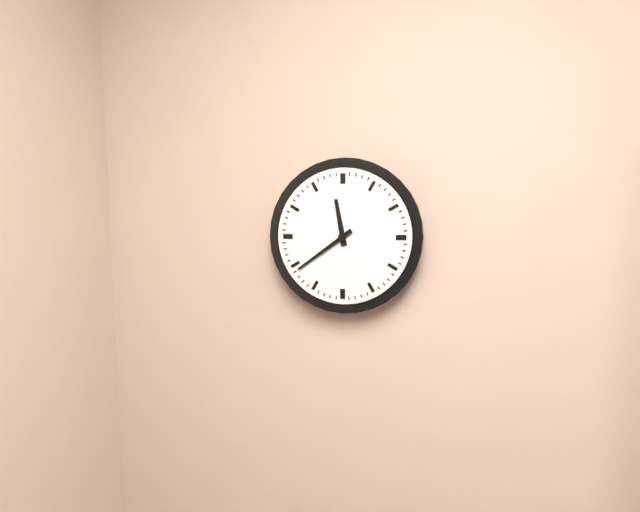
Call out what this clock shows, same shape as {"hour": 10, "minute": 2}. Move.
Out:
{"hour": 11, "minute": 39}
